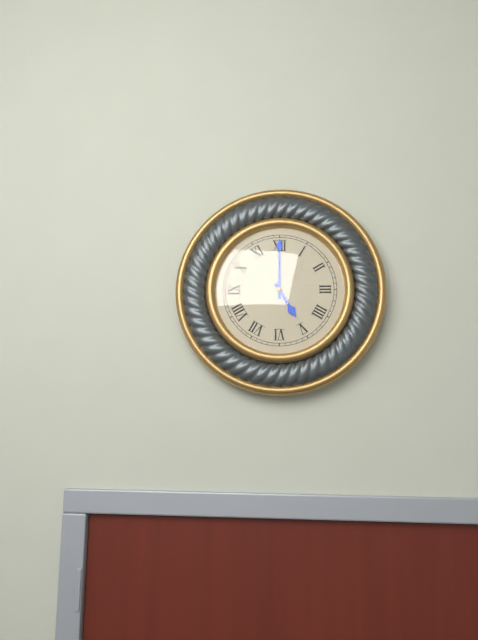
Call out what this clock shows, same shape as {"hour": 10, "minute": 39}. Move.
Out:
{"hour": 5, "minute": 0}
